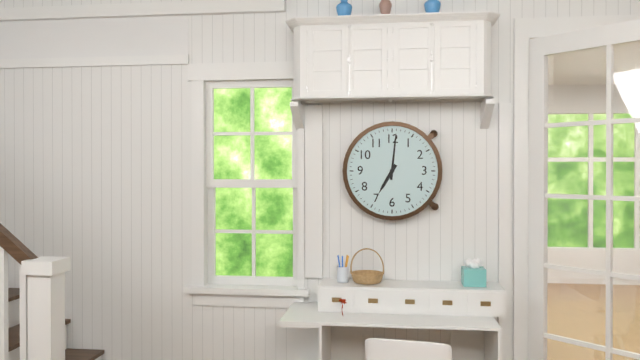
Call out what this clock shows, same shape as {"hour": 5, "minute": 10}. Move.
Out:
{"hour": 7, "minute": 1}
